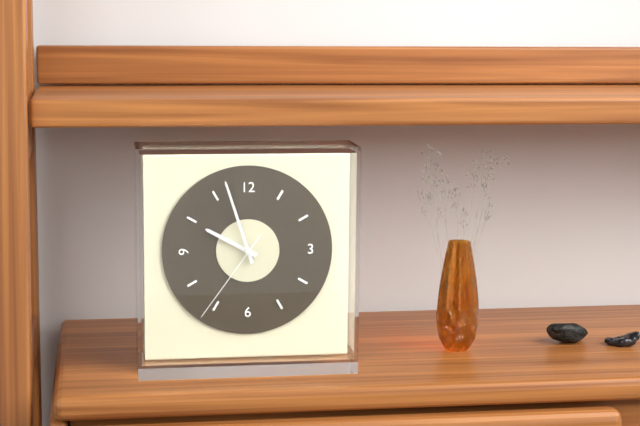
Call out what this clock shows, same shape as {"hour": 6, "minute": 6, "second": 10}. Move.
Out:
{"hour": 9, "minute": 57, "second": 36}
